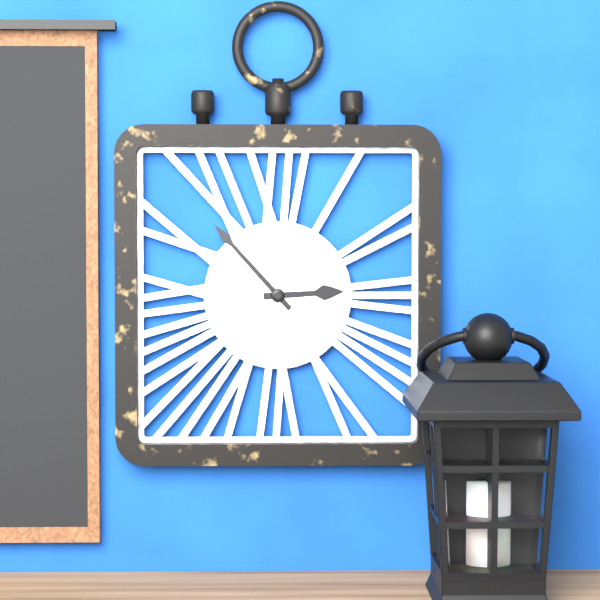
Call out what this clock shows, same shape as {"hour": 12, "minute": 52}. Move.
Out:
{"hour": 2, "minute": 53}
